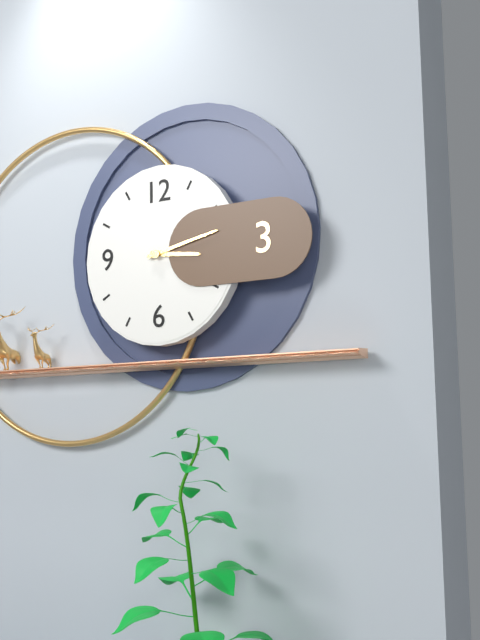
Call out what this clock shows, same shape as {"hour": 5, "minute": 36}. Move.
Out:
{"hour": 3, "minute": 13}
